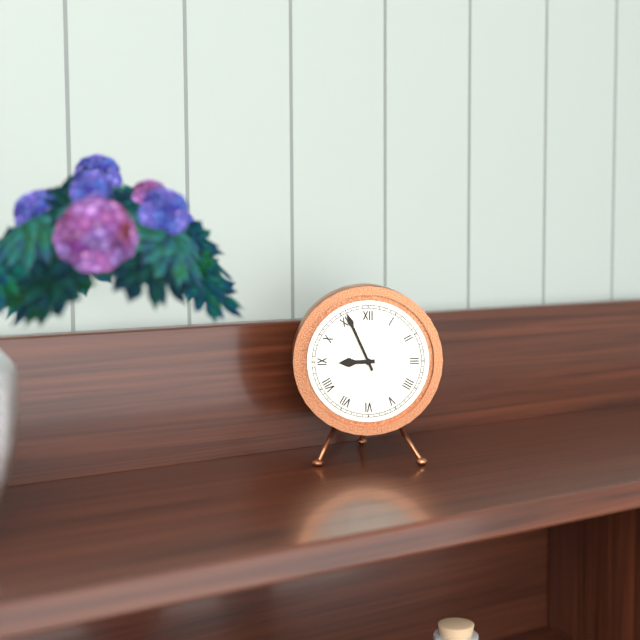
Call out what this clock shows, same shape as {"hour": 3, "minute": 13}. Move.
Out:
{"hour": 8, "minute": 56}
